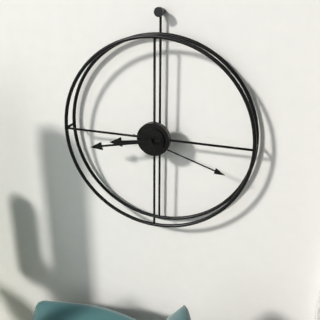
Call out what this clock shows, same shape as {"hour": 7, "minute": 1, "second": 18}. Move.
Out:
{"hour": 8, "minute": 43, "second": 18}
